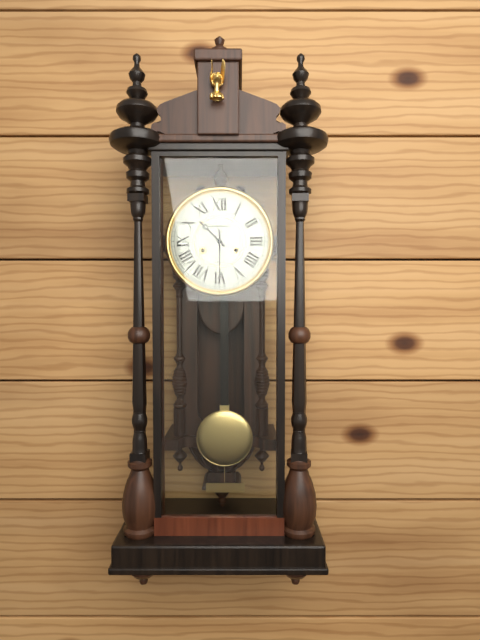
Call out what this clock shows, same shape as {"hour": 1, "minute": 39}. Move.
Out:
{"hour": 10, "minute": 30}
